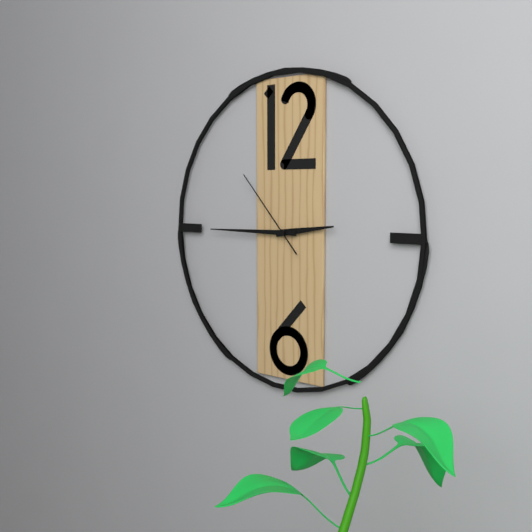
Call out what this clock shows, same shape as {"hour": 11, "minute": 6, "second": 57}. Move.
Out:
{"hour": 2, "minute": 45, "second": 53}
